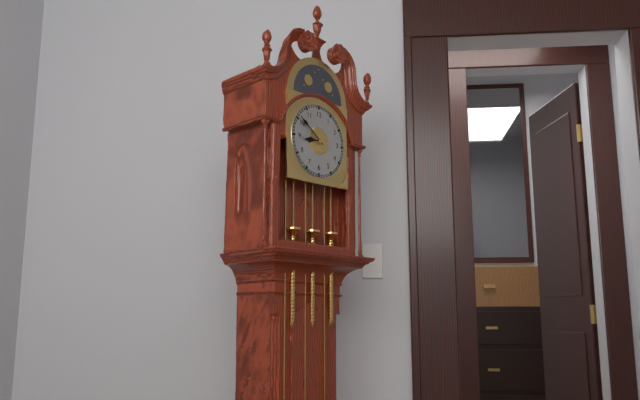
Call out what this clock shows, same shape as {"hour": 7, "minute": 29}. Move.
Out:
{"hour": 8, "minute": 51}
